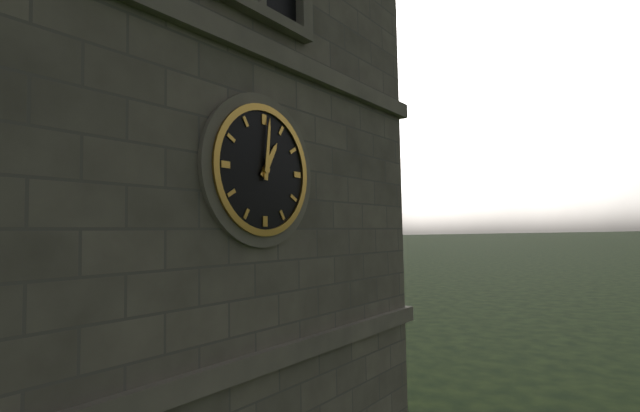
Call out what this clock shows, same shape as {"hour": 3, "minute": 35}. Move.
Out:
{"hour": 1, "minute": 1}
